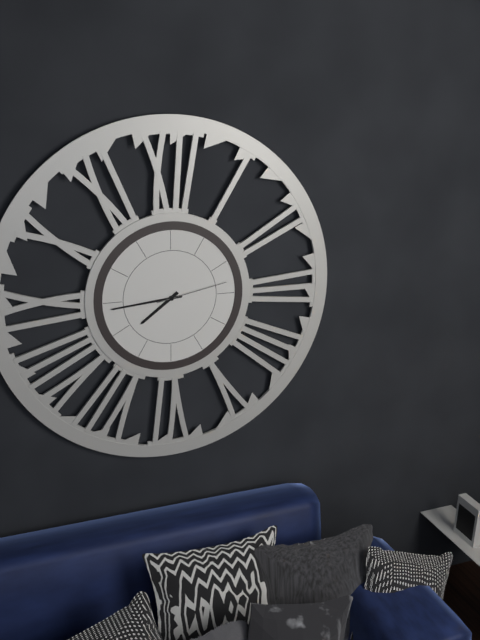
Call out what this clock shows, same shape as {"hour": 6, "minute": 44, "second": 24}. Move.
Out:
{"hour": 7, "minute": 44, "second": 13}
